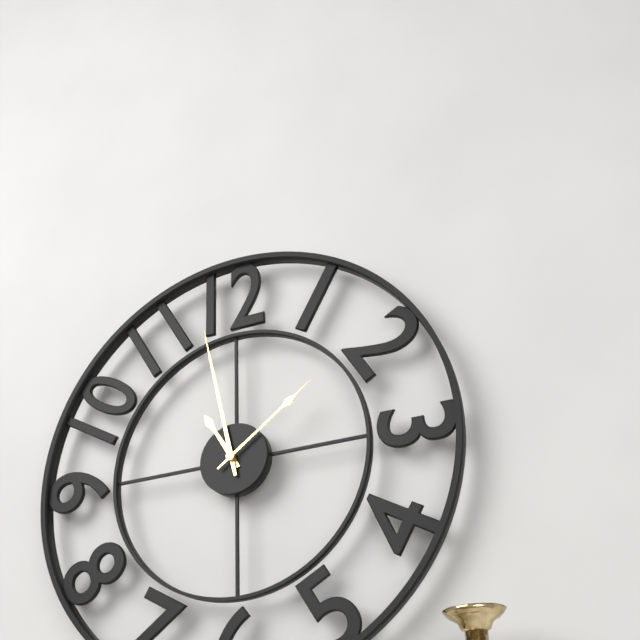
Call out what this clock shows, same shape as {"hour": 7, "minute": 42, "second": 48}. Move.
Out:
{"hour": 10, "minute": 58, "second": 9}
